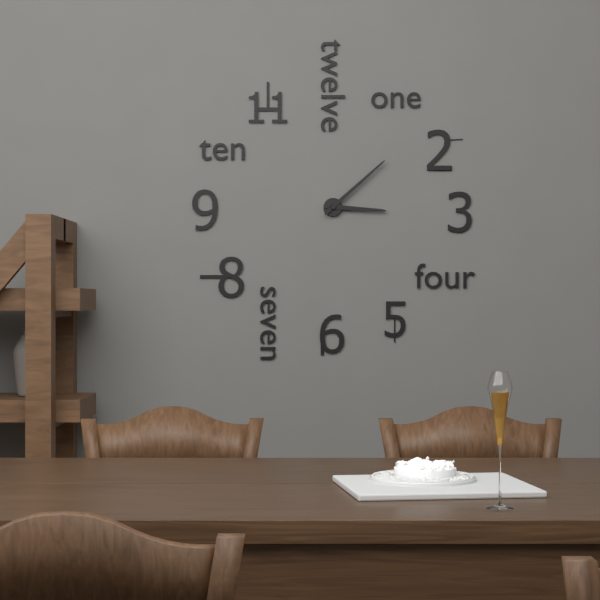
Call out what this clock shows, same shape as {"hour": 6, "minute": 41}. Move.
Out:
{"hour": 3, "minute": 8}
